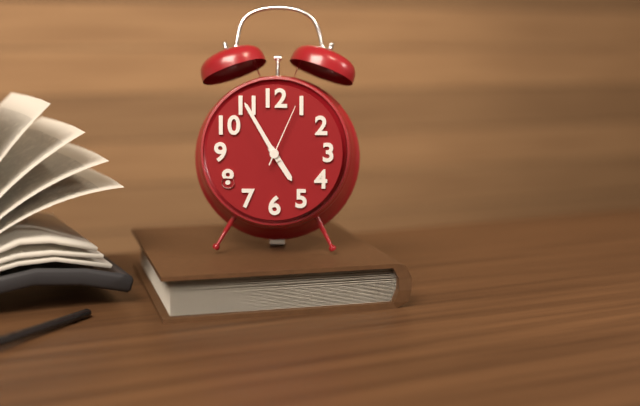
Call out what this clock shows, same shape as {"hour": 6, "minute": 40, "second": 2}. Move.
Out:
{"hour": 4, "minute": 55, "second": 4}
